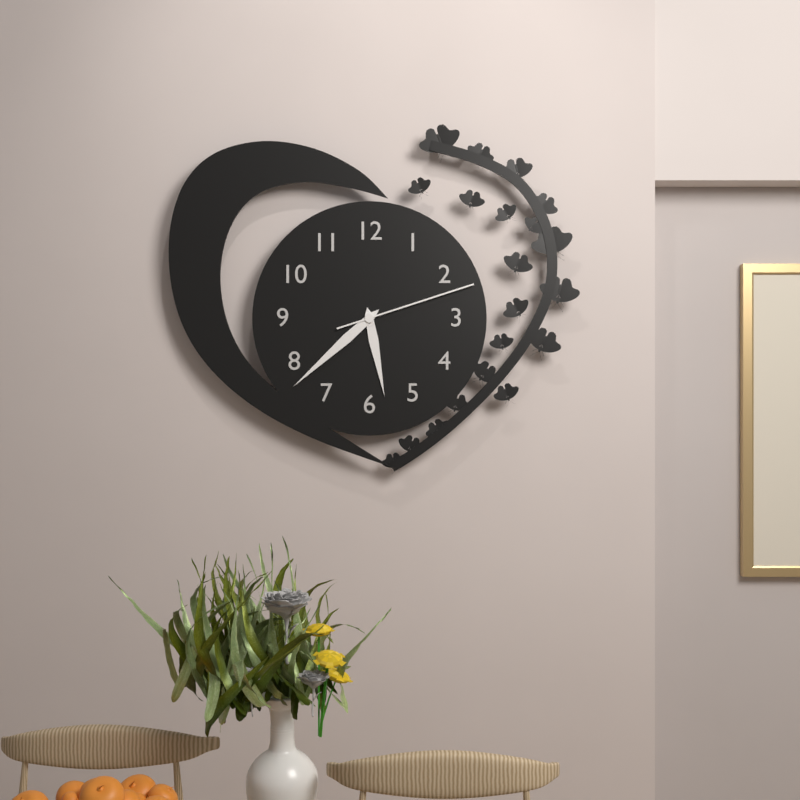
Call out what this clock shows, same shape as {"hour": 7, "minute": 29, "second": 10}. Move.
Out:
{"hour": 5, "minute": 38, "second": 12}
